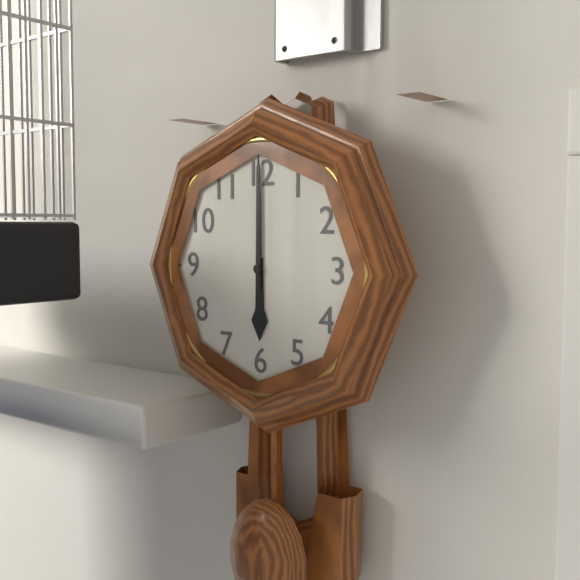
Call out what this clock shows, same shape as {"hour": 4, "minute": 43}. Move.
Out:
{"hour": 6, "minute": 0}
